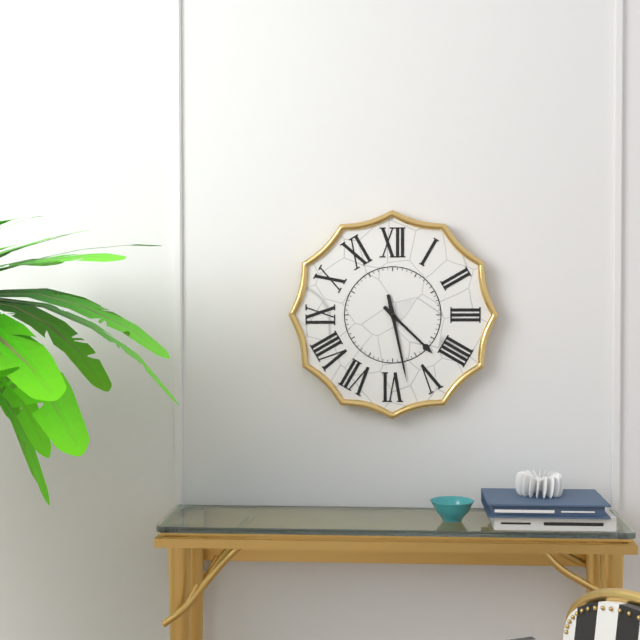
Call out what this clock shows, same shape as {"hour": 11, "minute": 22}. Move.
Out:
{"hour": 4, "minute": 28}
